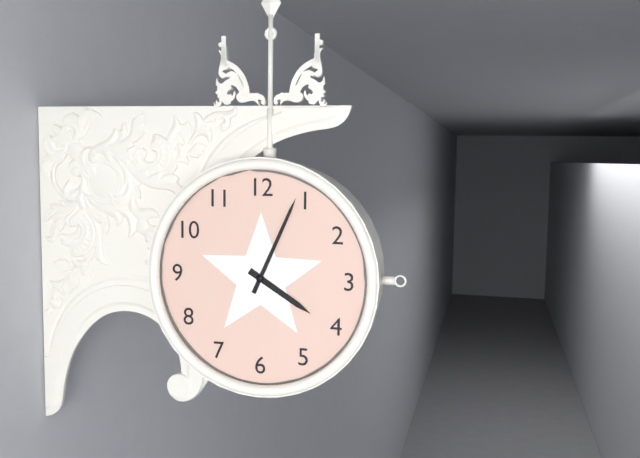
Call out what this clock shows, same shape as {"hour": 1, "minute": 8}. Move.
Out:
{"hour": 4, "minute": 4}
